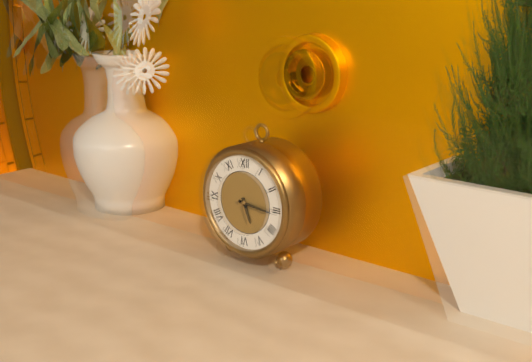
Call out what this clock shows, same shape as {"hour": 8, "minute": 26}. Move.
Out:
{"hour": 5, "minute": 16}
